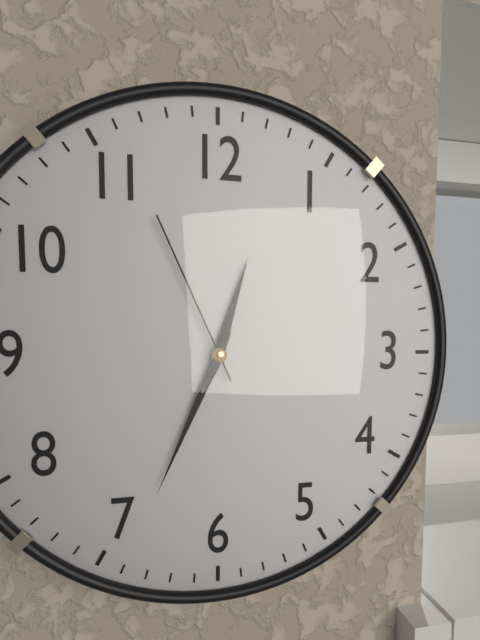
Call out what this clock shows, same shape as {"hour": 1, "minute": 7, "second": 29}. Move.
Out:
{"hour": 12, "minute": 34, "second": 56}
